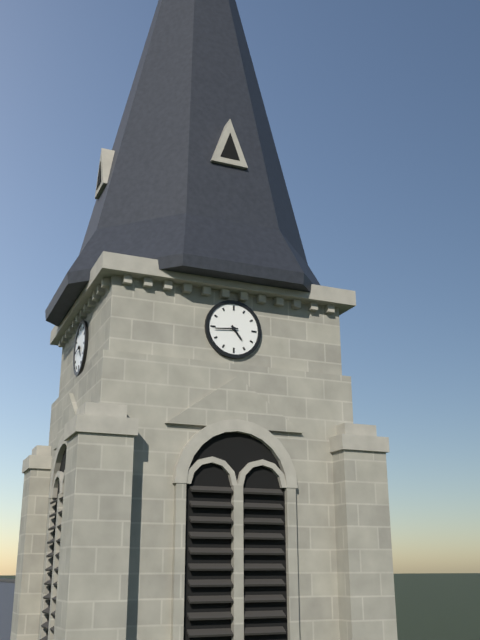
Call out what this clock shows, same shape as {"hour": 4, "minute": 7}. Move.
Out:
{"hour": 4, "minute": 44}
